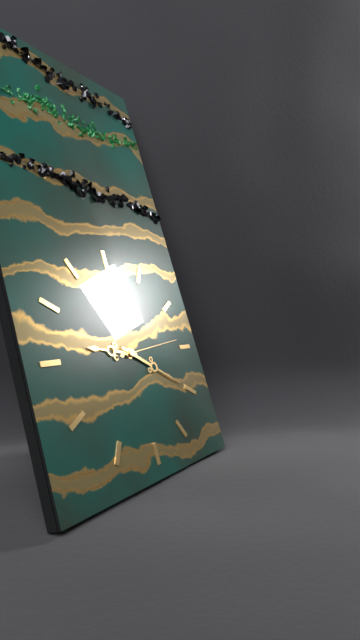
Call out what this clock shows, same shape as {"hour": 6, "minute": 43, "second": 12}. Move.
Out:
{"hour": 9, "minute": 20, "second": 14}
